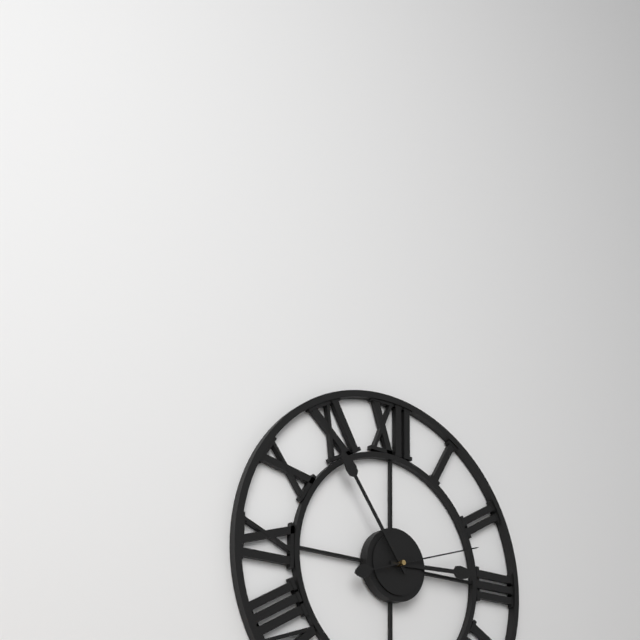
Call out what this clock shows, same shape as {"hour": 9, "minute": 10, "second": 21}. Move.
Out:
{"hour": 2, "minute": 54, "second": 12}
